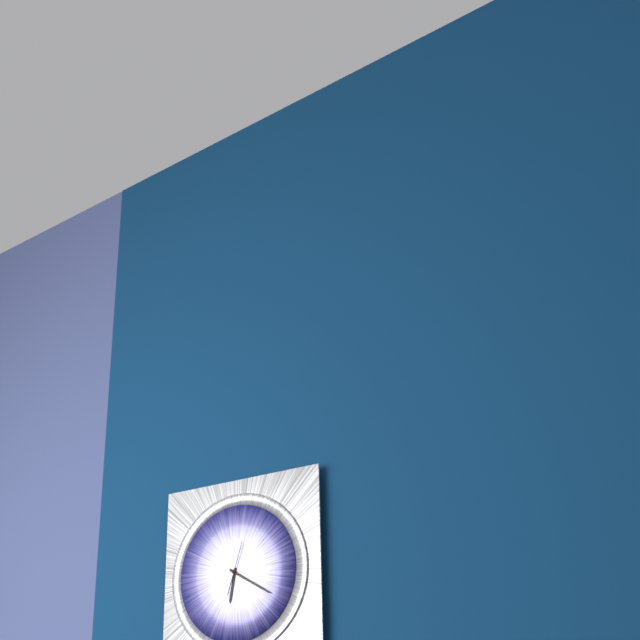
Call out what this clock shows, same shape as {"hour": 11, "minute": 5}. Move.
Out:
{"hour": 6, "minute": 20}
